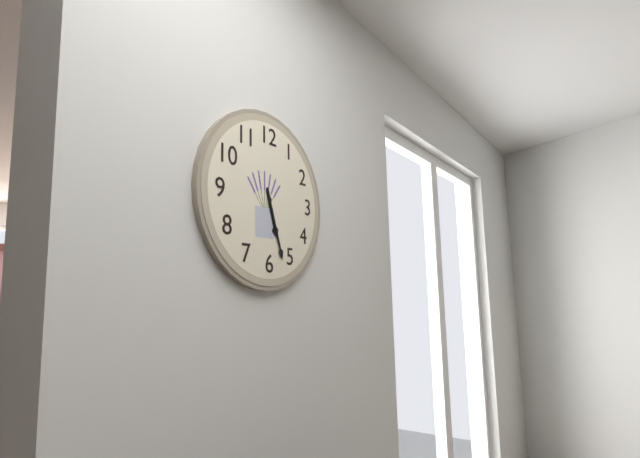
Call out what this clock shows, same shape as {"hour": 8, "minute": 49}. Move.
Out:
{"hour": 5, "minute": 27}
